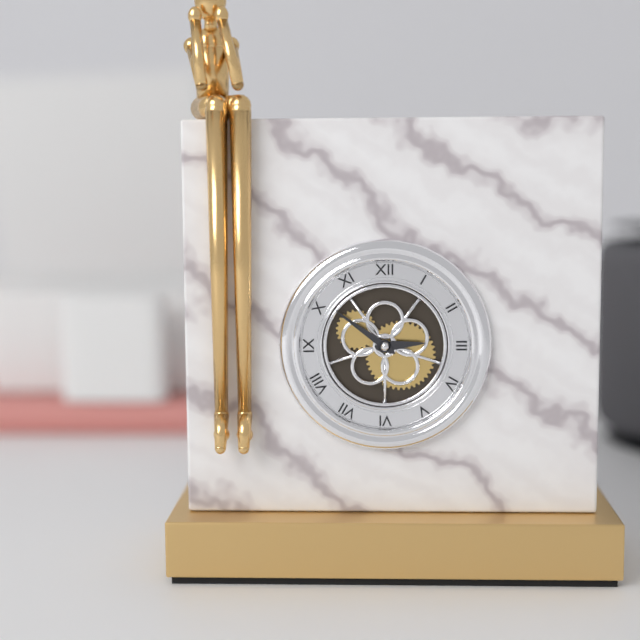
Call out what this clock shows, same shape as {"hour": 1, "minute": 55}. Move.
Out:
{"hour": 2, "minute": 51}
